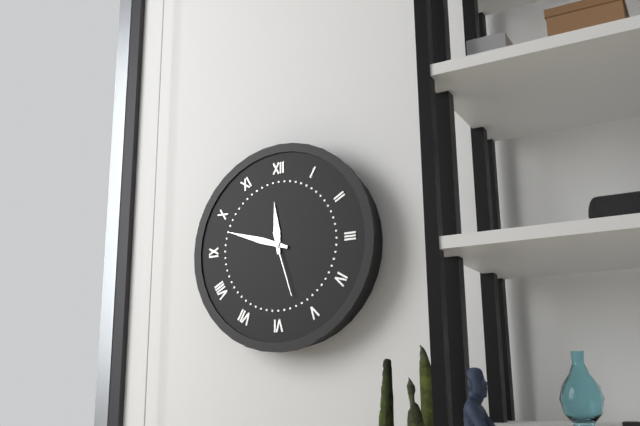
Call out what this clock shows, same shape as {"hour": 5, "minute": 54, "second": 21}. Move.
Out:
{"hour": 11, "minute": 48, "second": 27}
